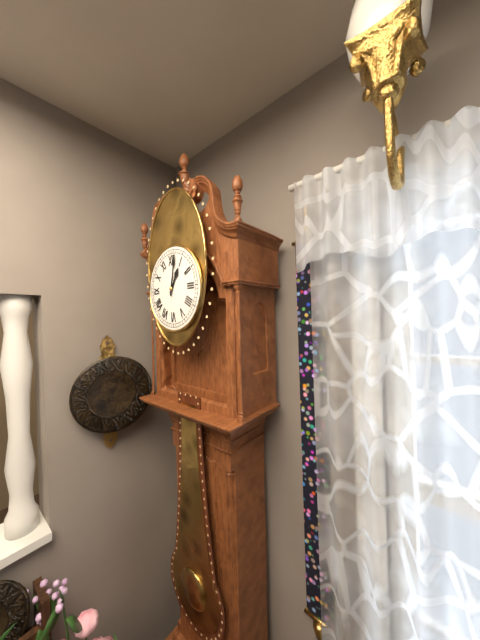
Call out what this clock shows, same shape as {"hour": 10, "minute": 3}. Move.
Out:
{"hour": 1, "minute": 2}
